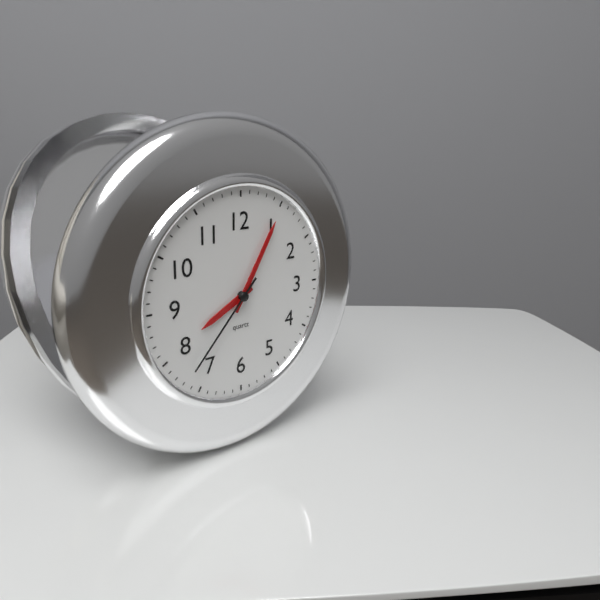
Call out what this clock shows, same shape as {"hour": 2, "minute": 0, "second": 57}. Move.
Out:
{"hour": 8, "minute": 5, "second": 37}
